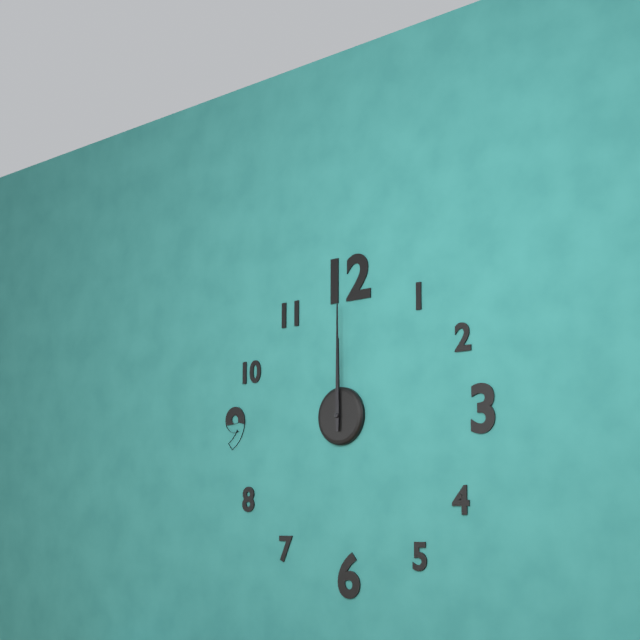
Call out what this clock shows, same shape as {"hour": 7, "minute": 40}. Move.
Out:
{"hour": 12, "minute": 0}
